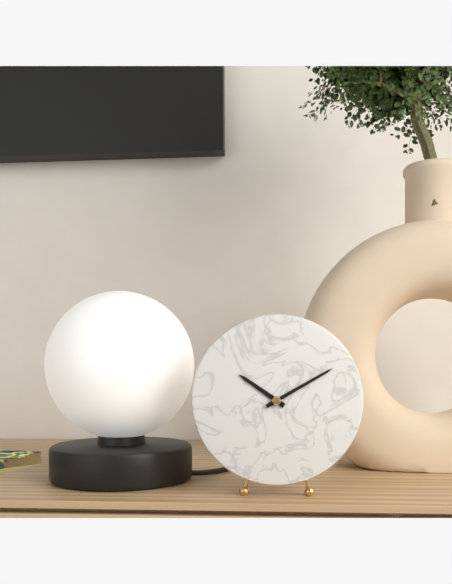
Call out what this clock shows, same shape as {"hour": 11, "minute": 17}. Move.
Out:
{"hour": 10, "minute": 10}
